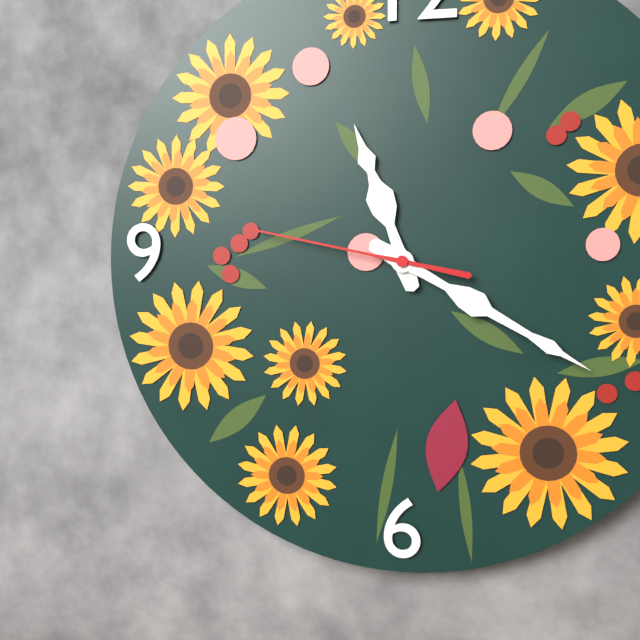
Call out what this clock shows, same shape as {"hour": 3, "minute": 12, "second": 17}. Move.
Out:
{"hour": 11, "minute": 20, "second": 47}
